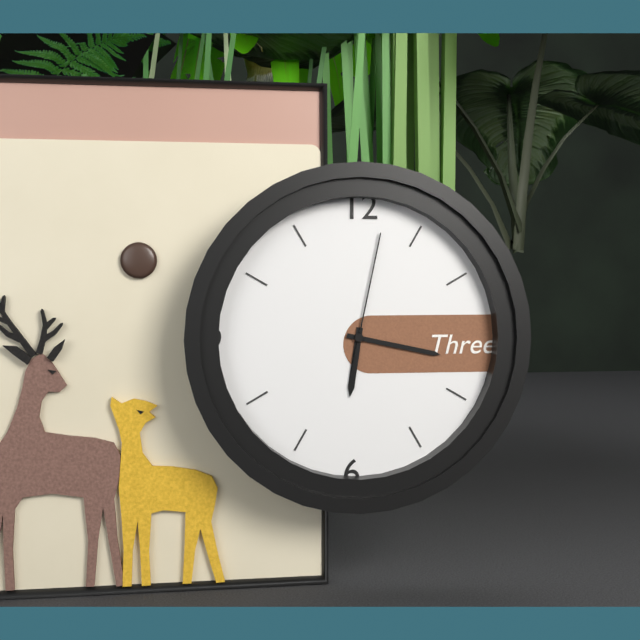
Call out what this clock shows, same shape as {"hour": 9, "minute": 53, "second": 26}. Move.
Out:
{"hour": 6, "minute": 17, "second": 2}
